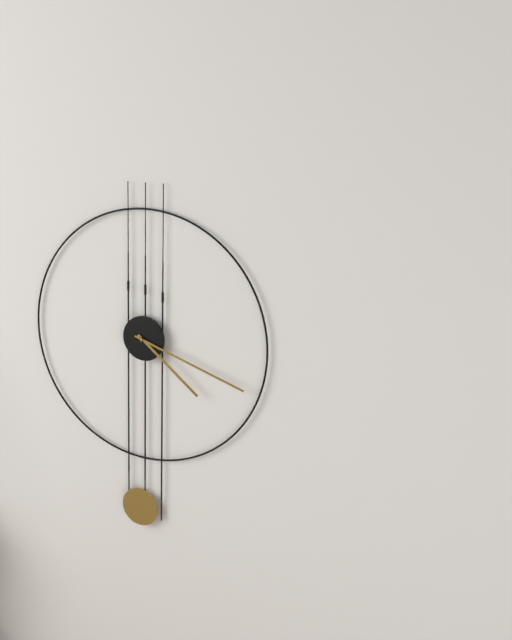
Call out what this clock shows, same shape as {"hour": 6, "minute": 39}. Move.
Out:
{"hour": 4, "minute": 18}
